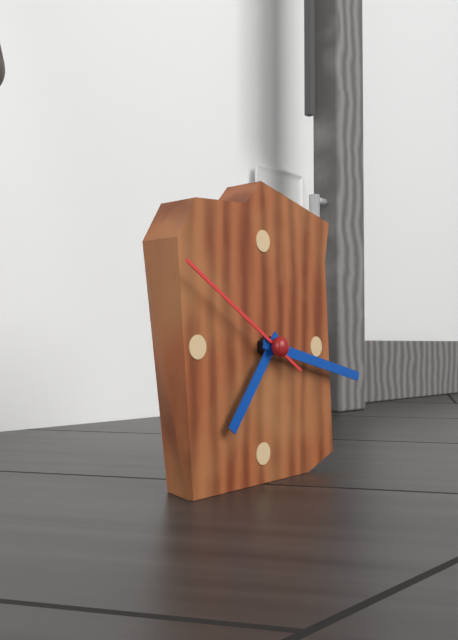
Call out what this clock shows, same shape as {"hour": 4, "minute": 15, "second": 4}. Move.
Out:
{"hour": 7, "minute": 17, "second": 50}
